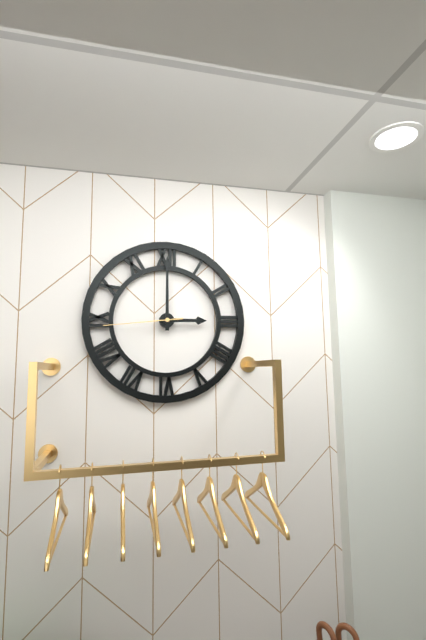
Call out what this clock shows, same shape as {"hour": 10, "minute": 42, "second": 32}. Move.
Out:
{"hour": 3, "minute": 0, "second": 44}
